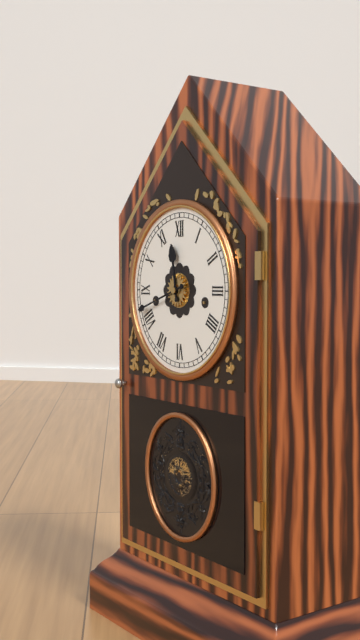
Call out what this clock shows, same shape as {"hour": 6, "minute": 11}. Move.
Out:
{"hour": 11, "minute": 42}
